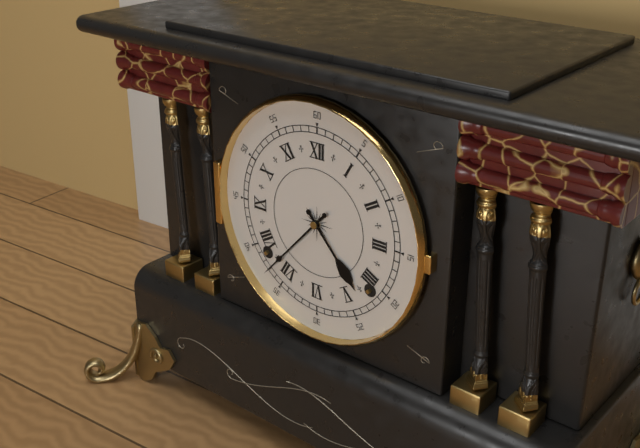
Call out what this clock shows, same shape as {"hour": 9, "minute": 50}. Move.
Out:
{"hour": 4, "minute": 37}
